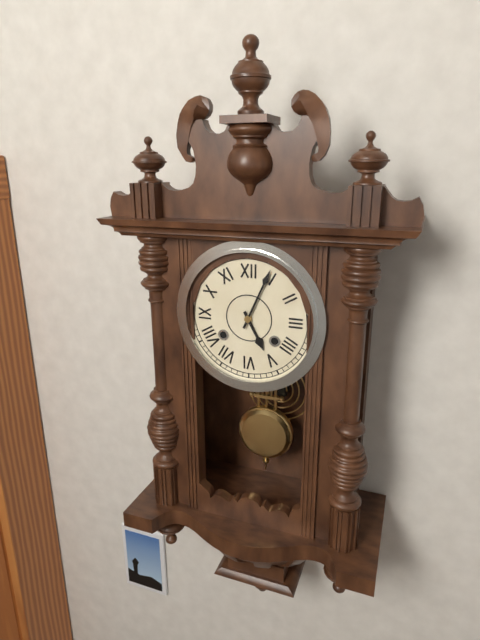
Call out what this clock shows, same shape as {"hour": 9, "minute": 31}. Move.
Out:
{"hour": 5, "minute": 4}
